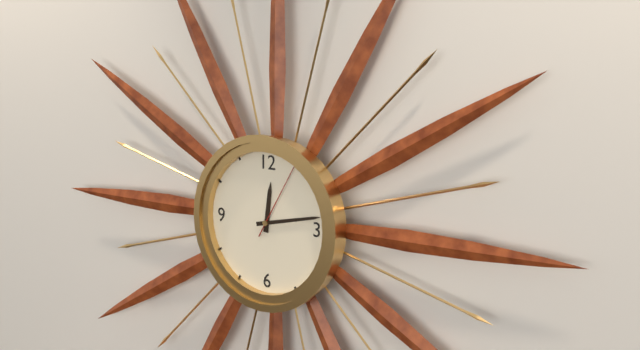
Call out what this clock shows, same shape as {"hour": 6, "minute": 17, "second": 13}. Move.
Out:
{"hour": 12, "minute": 13, "second": 5}
